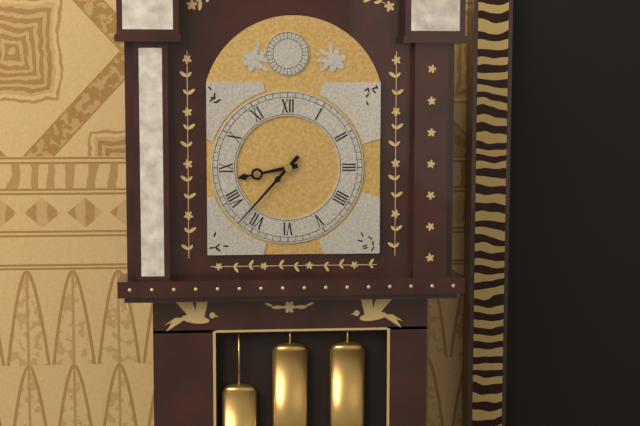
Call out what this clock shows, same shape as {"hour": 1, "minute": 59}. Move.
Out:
{"hour": 8, "minute": 37}
